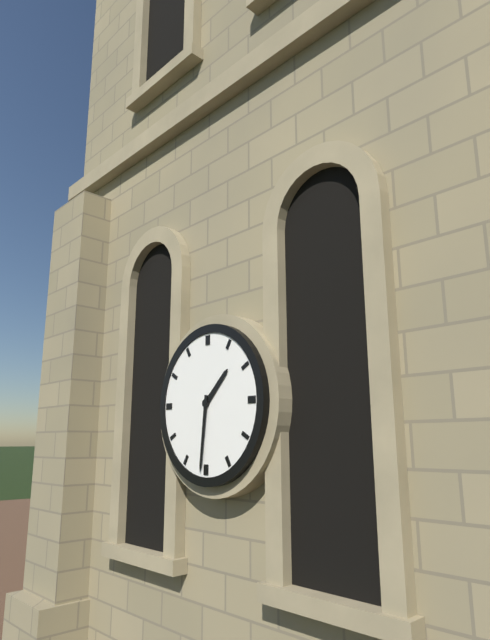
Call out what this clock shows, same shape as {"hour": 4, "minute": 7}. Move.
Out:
{"hour": 1, "minute": 31}
